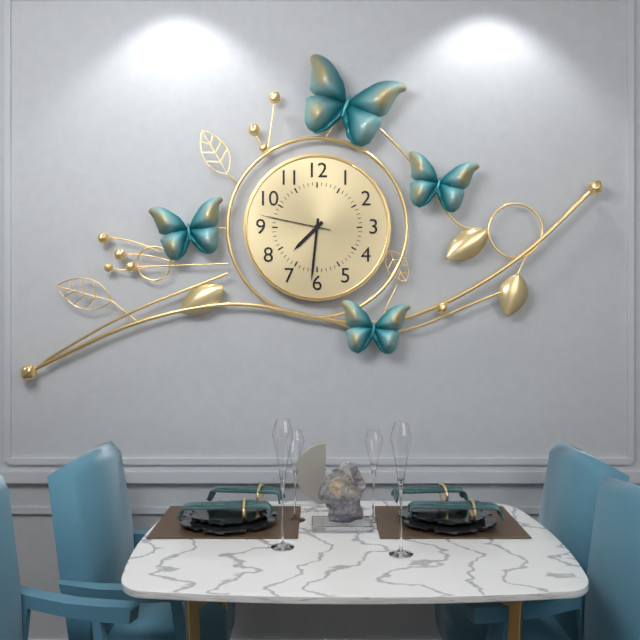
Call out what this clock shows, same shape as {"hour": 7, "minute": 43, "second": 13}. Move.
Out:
{"hour": 7, "minute": 31, "second": 47}
